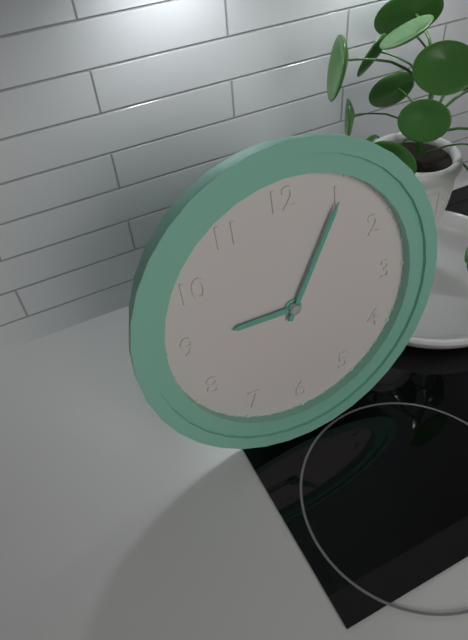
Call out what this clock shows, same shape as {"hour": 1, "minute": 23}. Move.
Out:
{"hour": 9, "minute": 5}
